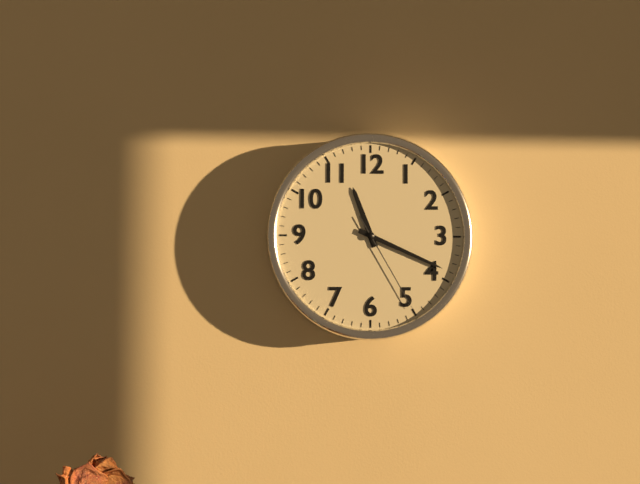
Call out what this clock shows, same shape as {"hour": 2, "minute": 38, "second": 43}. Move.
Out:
{"hour": 11, "minute": 19, "second": 25}
